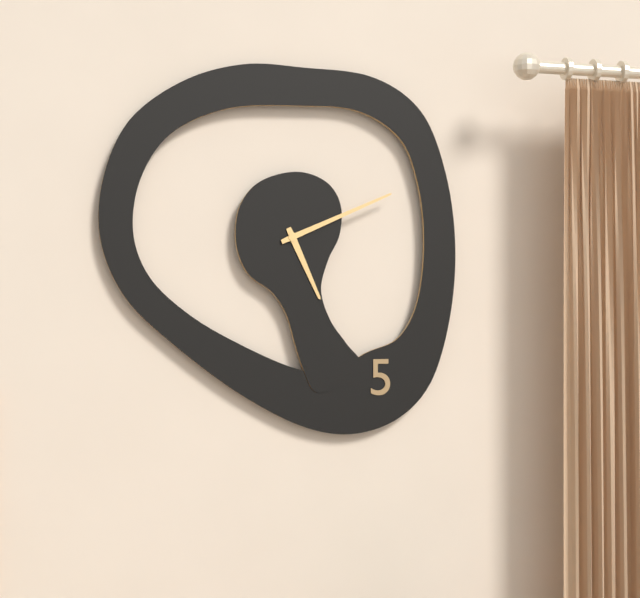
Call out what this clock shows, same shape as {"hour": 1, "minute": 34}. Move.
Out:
{"hour": 5, "minute": 11}
